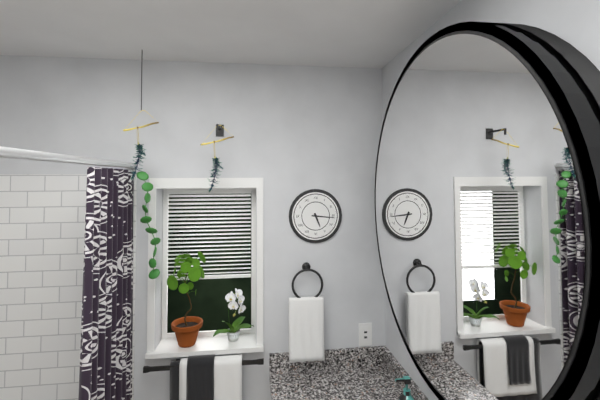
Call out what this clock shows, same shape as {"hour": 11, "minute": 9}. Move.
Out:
{"hour": 5, "minute": 16}
